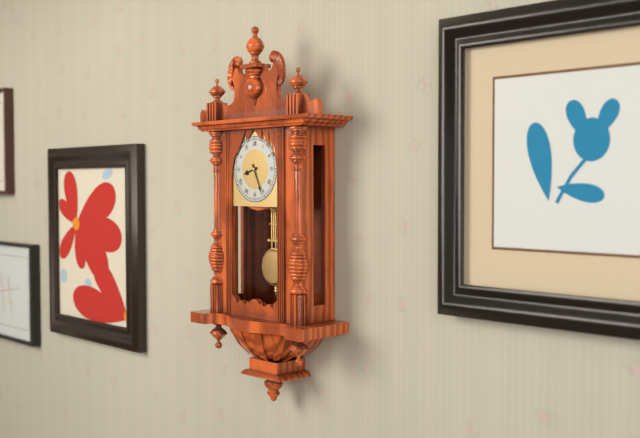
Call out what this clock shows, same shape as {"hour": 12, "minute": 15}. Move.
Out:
{"hour": 8, "minute": 26}
